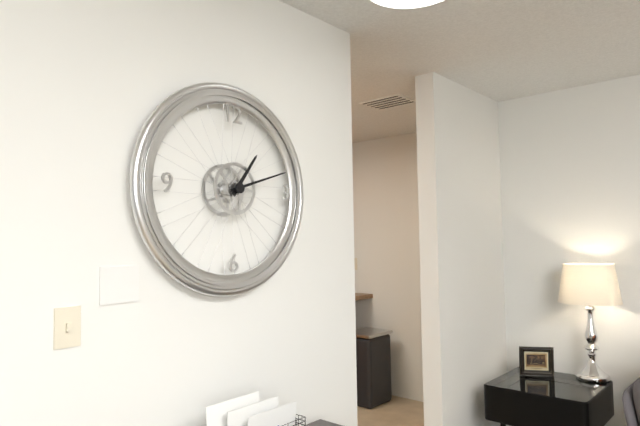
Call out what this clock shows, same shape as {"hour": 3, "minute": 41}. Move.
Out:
{"hour": 1, "minute": 12}
